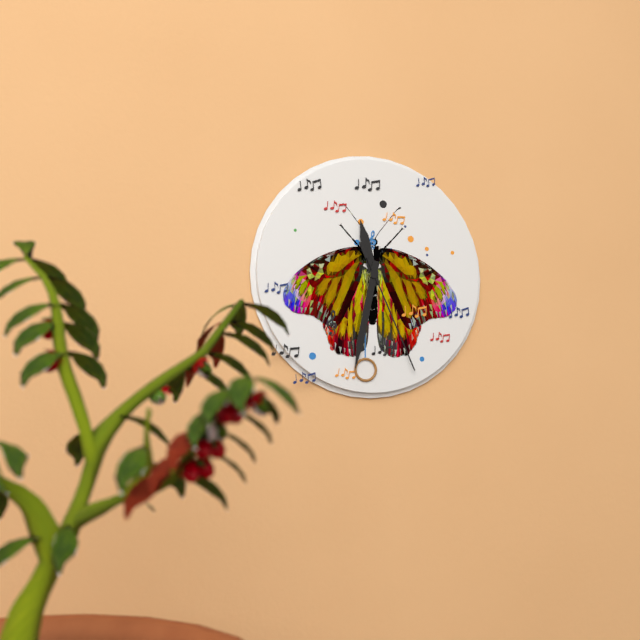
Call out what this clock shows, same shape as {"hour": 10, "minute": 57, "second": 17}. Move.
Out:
{"hour": 11, "minute": 32, "second": 26}
